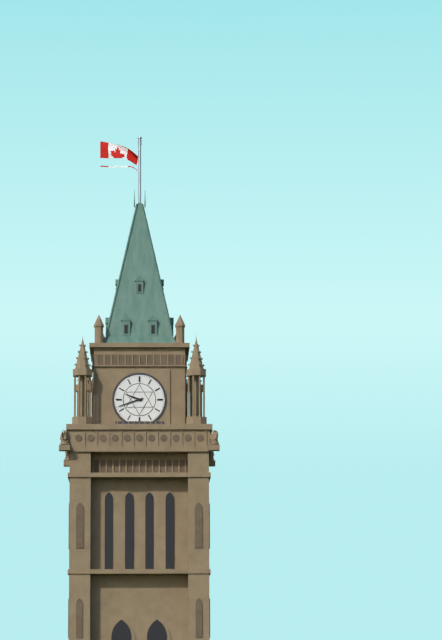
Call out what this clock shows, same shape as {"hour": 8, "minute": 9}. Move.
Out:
{"hour": 9, "minute": 42}
